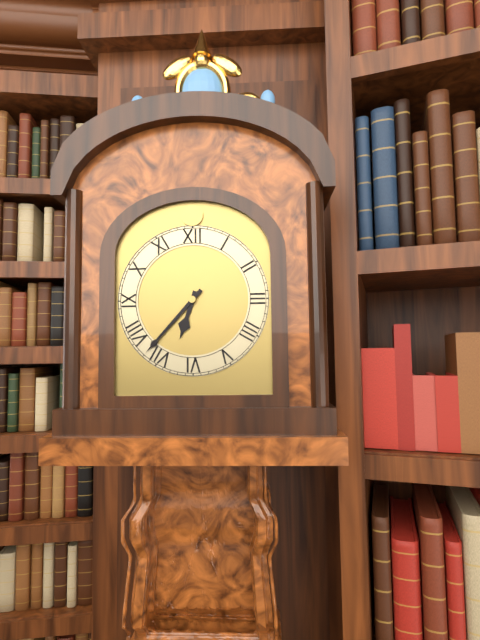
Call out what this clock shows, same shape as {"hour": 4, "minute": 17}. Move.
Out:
{"hour": 6, "minute": 37}
